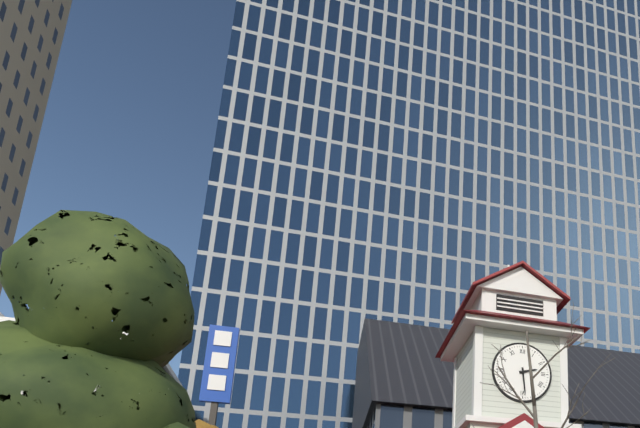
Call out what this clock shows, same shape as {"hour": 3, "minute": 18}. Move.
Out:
{"hour": 2, "minute": 29}
